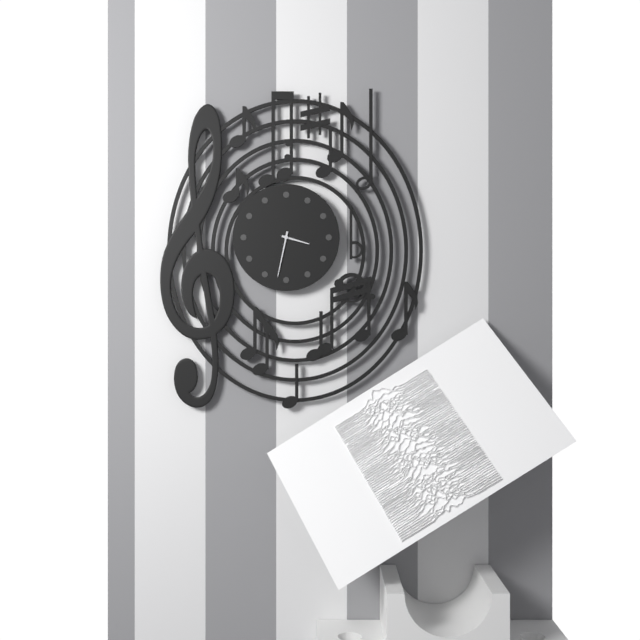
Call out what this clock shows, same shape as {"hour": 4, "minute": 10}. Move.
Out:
{"hour": 3, "minute": 32}
